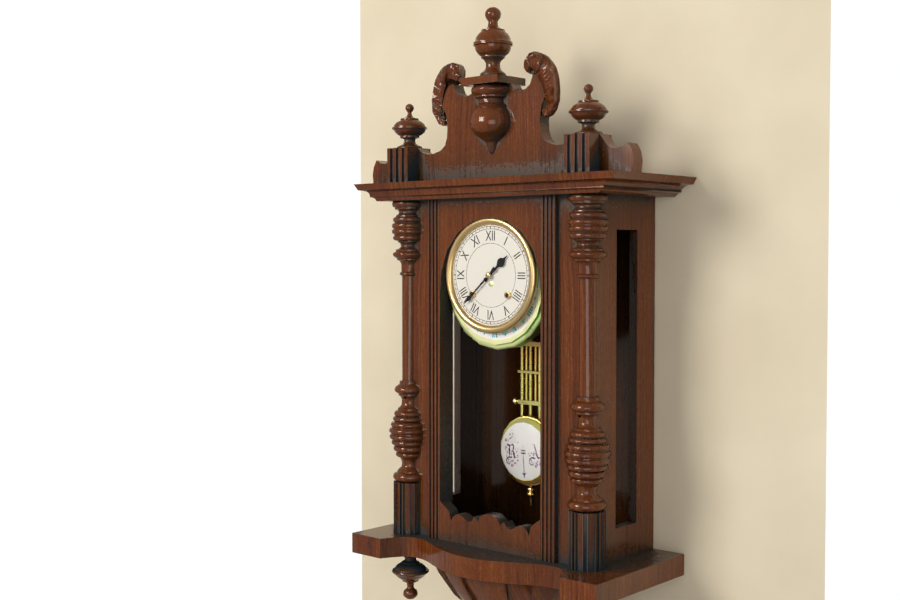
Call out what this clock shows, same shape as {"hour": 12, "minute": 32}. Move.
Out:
{"hour": 1, "minute": 38}
